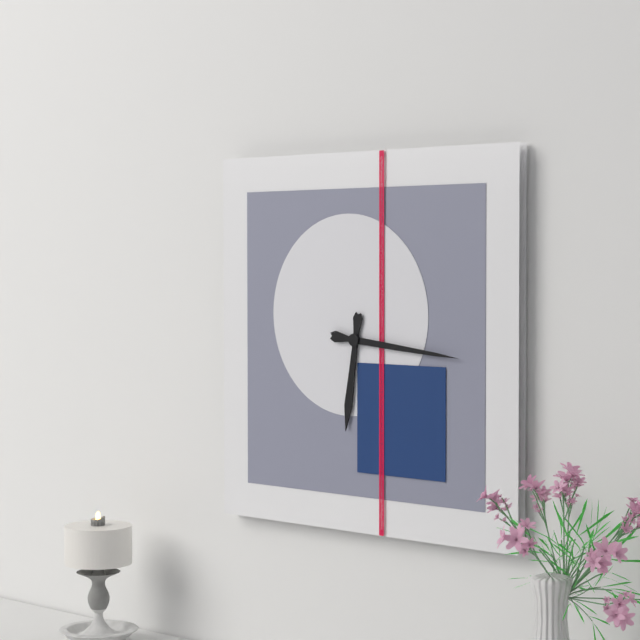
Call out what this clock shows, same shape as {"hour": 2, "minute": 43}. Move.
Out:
{"hour": 6, "minute": 16}
